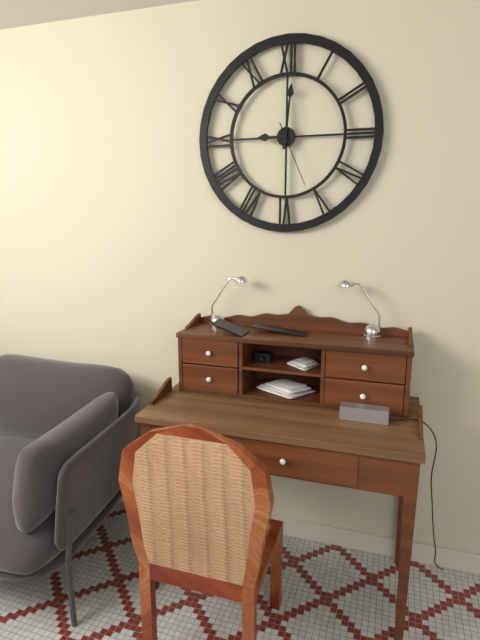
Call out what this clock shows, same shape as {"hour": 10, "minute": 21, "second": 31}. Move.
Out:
{"hour": 9, "minute": 1, "second": 26}
